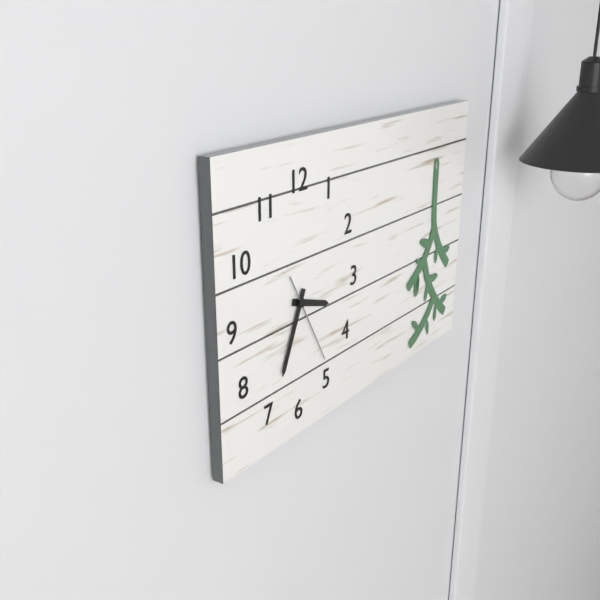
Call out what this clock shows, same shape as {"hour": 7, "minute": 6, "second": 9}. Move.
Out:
{"hour": 3, "minute": 34, "second": 25}
